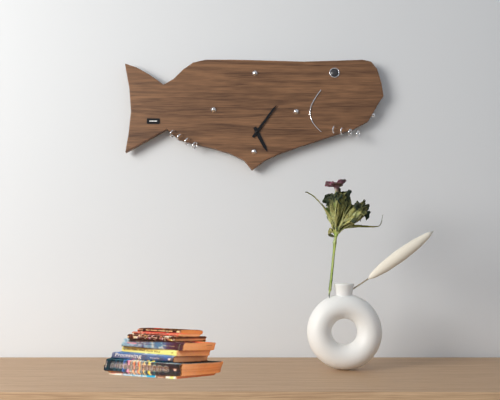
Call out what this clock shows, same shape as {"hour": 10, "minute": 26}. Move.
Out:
{"hour": 5, "minute": 6}
